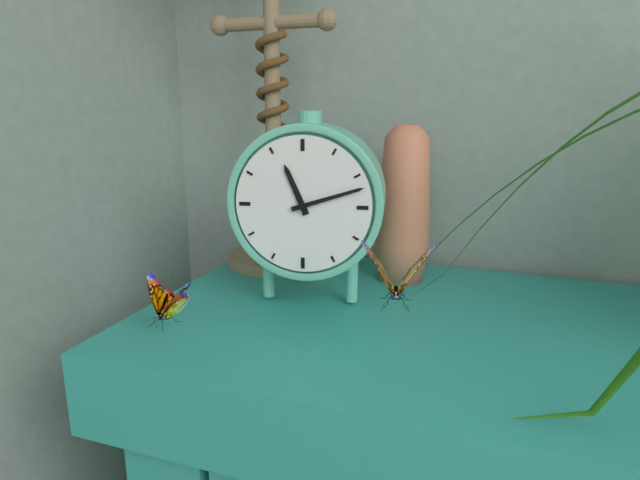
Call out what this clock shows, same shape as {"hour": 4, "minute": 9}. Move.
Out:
{"hour": 11, "minute": 12}
